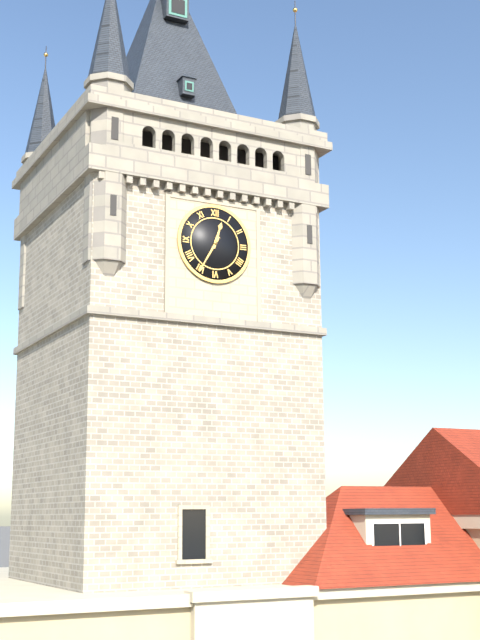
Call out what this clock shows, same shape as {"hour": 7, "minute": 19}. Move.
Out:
{"hour": 12, "minute": 35}
